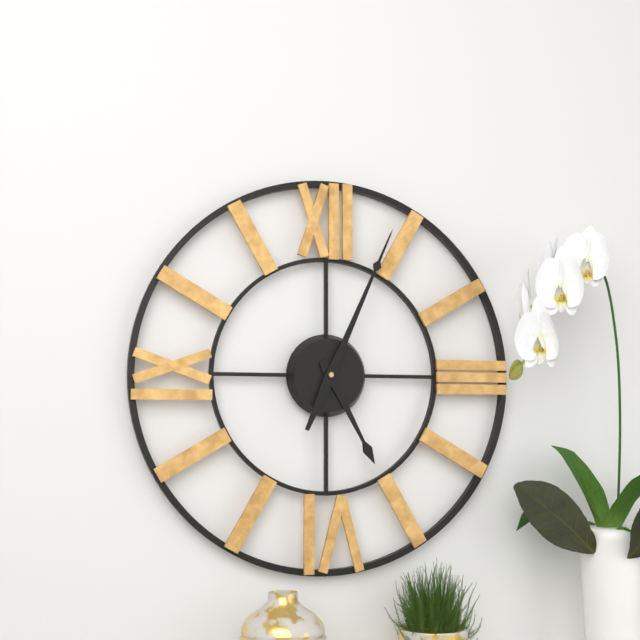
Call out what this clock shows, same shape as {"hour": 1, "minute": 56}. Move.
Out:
{"hour": 5, "minute": 4}
